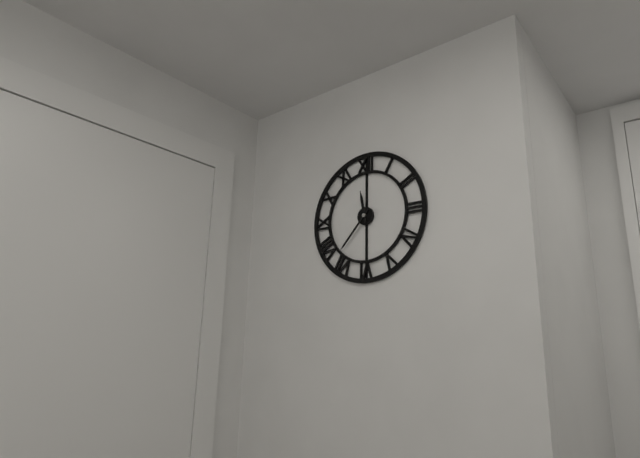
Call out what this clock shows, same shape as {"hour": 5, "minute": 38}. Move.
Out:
{"hour": 11, "minute": 37}
